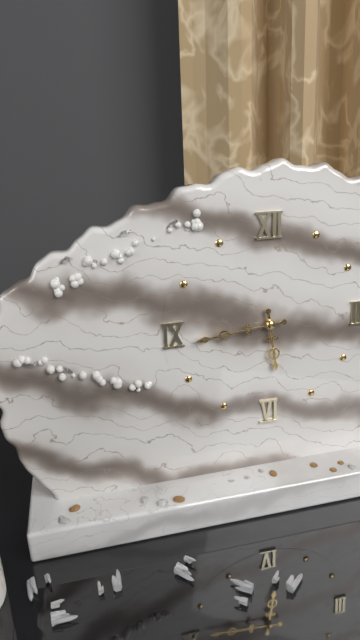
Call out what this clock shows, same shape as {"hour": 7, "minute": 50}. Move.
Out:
{"hour": 5, "minute": 44}
